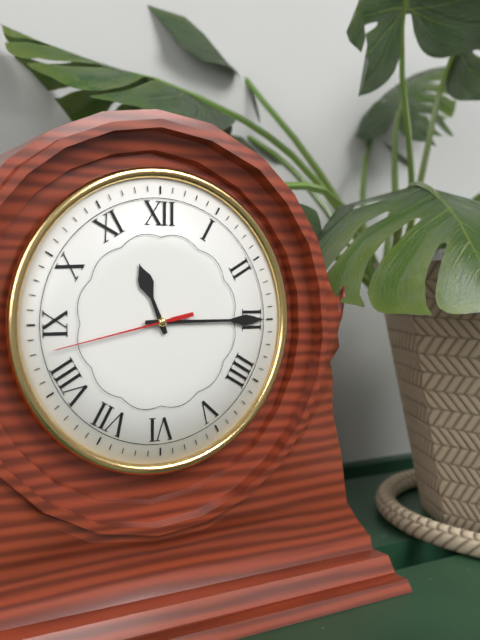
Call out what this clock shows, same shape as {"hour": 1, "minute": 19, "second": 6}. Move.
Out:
{"hour": 11, "minute": 15, "second": 43}
